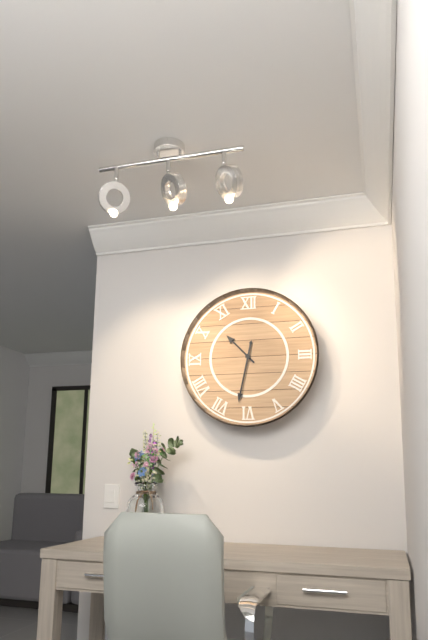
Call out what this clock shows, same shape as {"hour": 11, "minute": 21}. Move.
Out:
{"hour": 10, "minute": 32}
